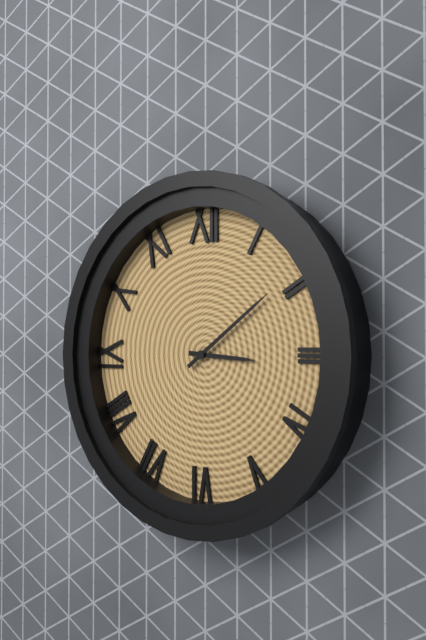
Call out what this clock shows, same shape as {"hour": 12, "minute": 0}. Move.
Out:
{"hour": 3, "minute": 9}
